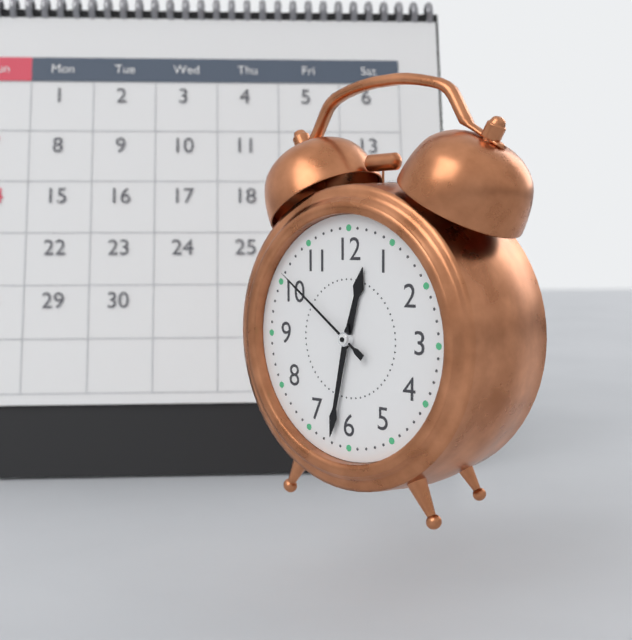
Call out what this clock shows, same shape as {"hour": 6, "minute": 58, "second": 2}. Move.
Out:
{"hour": 12, "minute": 32, "second": 51}
